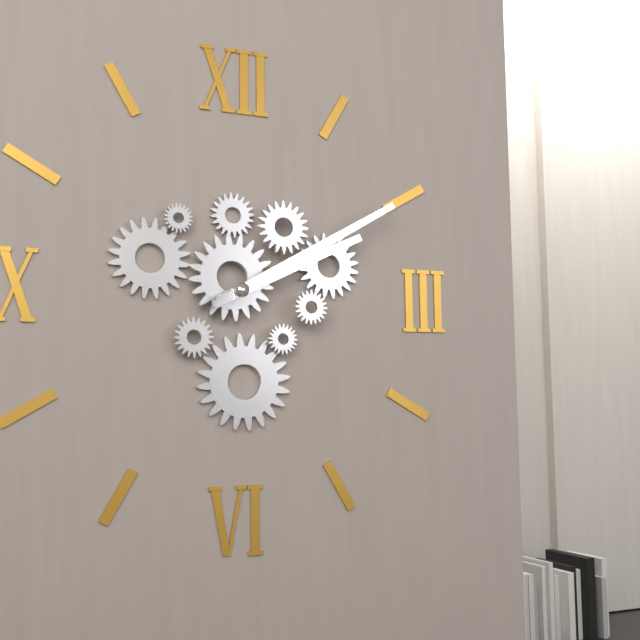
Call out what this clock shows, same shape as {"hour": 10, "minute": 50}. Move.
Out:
{"hour": 2, "minute": 10}
